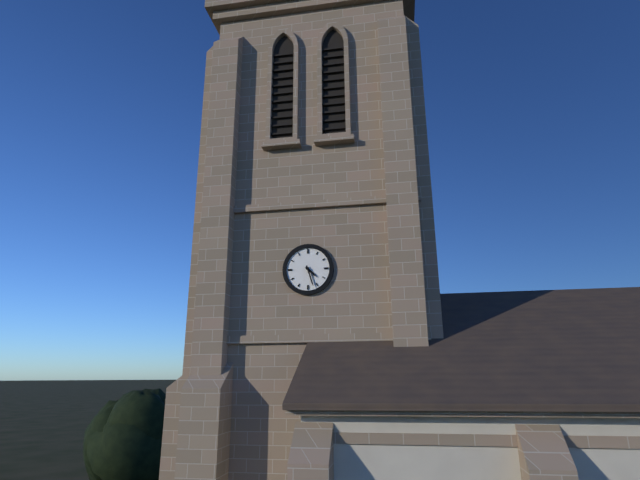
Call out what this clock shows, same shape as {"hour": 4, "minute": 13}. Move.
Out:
{"hour": 4, "minute": 27}
